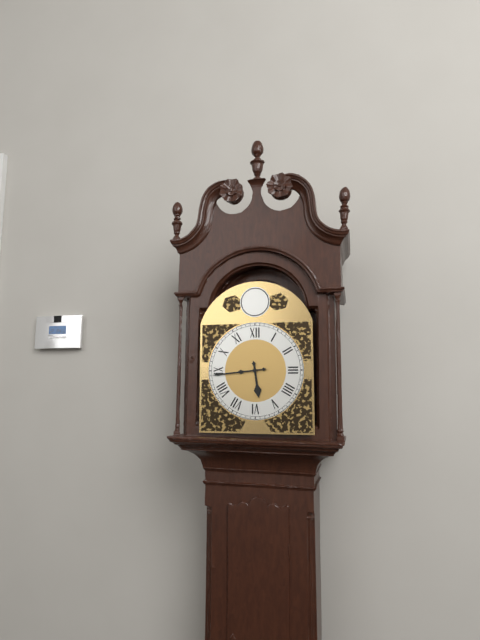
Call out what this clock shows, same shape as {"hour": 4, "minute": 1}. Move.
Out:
{"hour": 5, "minute": 44}
